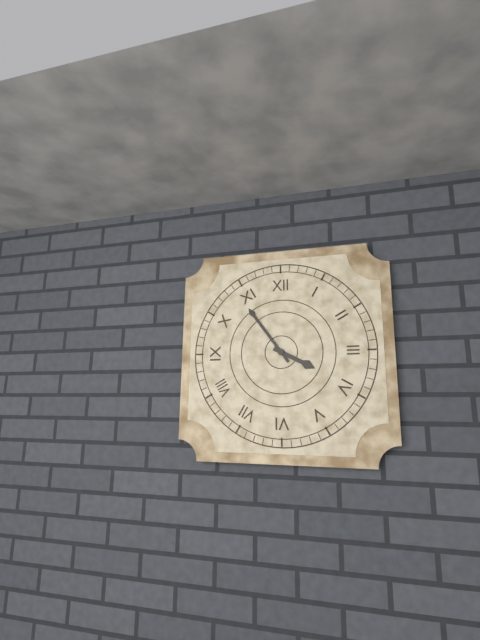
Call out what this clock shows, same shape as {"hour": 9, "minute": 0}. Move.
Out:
{"hour": 3, "minute": 54}
